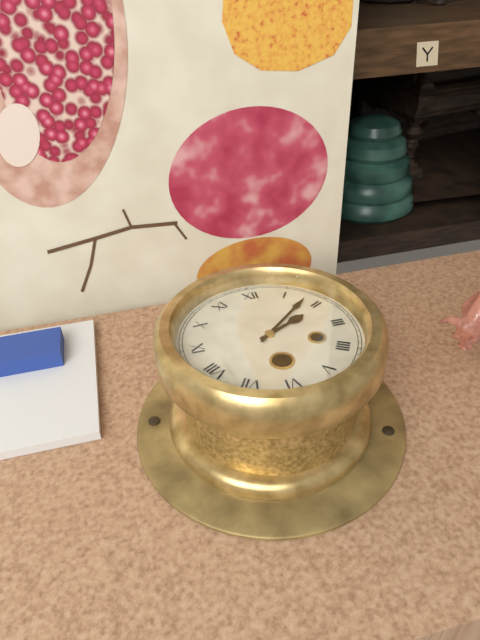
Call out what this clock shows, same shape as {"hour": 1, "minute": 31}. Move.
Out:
{"hour": 2, "minute": 8}
